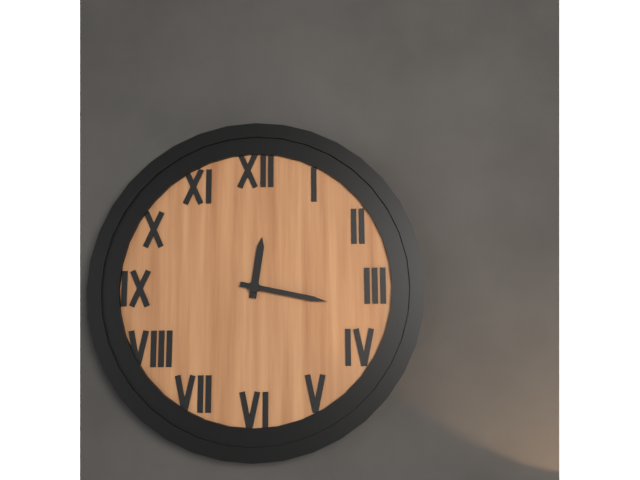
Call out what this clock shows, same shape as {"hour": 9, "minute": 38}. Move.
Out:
{"hour": 12, "minute": 17}
